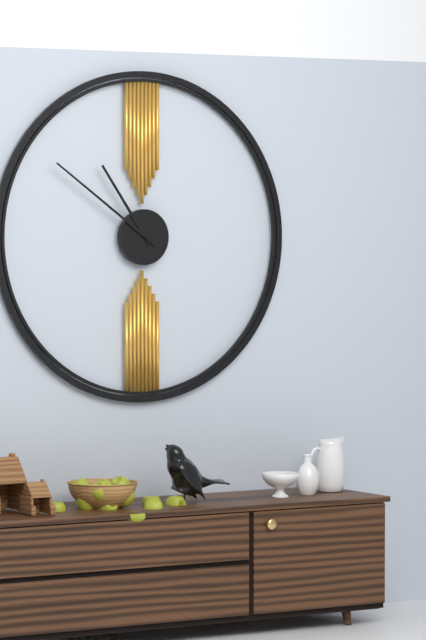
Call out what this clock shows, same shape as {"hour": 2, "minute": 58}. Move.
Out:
{"hour": 10, "minute": 51}
